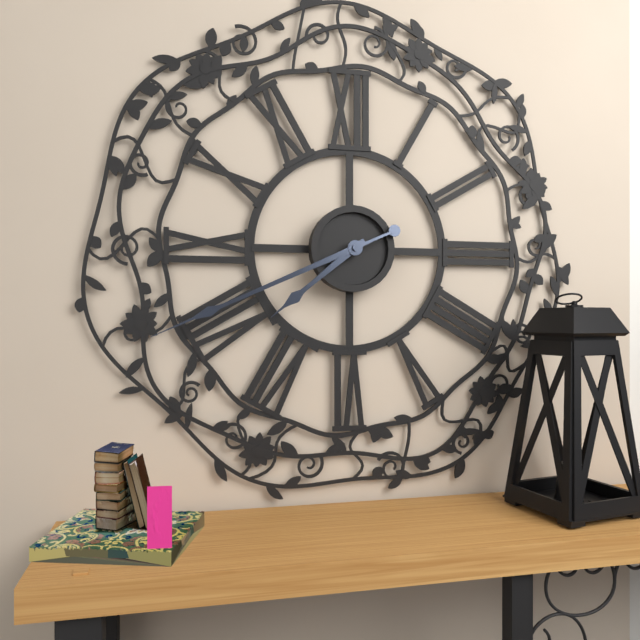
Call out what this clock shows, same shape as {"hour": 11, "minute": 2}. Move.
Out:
{"hour": 7, "minute": 41}
